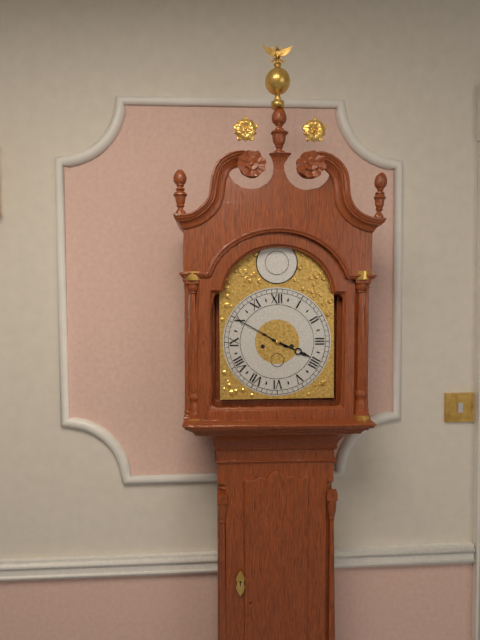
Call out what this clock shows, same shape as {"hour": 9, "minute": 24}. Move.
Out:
{"hour": 3, "minute": 50}
